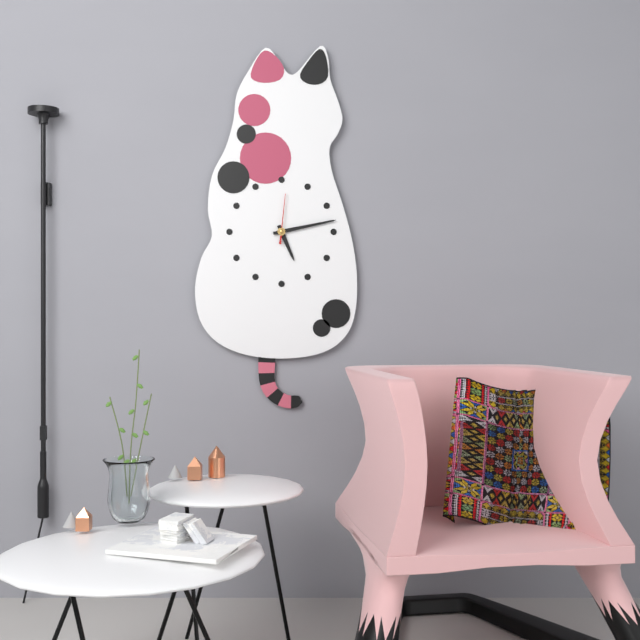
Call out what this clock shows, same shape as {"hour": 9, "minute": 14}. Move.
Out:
{"hour": 5, "minute": 13}
